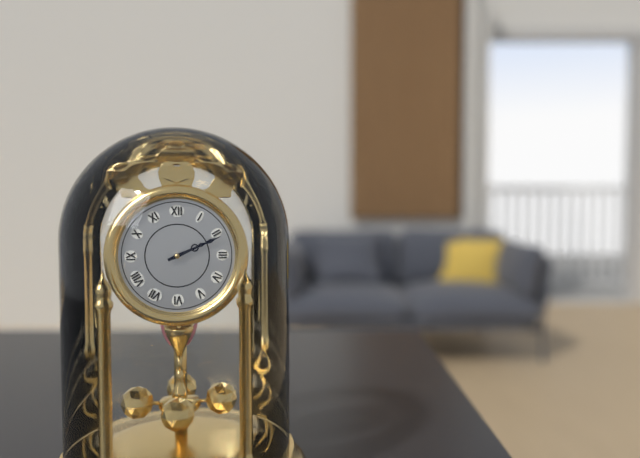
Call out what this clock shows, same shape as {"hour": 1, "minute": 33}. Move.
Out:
{"hour": 2, "minute": 11}
